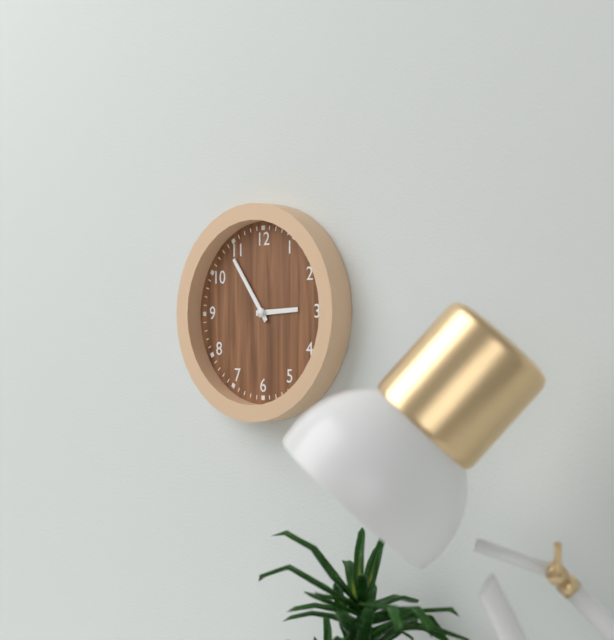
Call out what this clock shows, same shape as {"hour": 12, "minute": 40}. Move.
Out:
{"hour": 2, "minute": 54}
